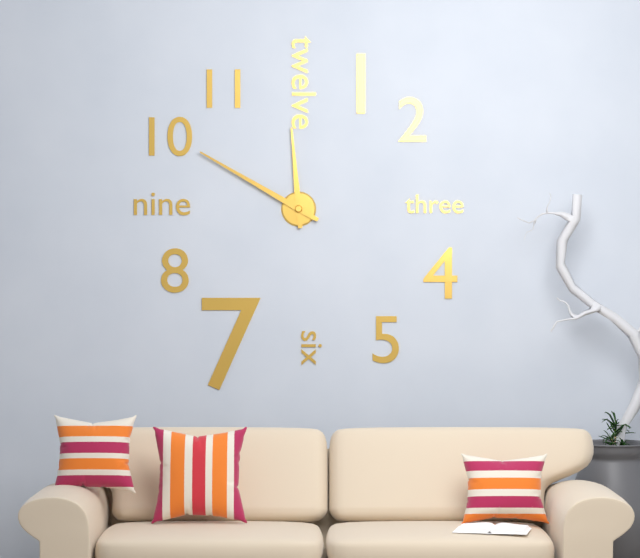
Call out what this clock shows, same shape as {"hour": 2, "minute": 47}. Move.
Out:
{"hour": 11, "minute": 50}
